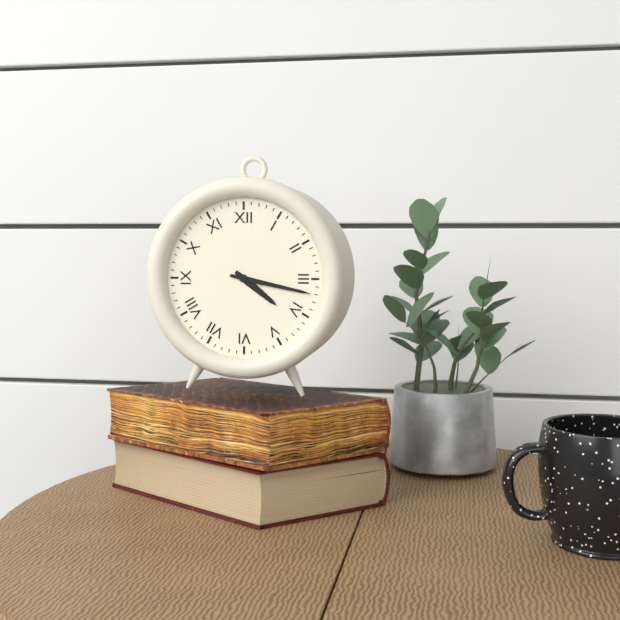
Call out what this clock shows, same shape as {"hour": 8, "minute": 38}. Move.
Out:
{"hour": 4, "minute": 17}
